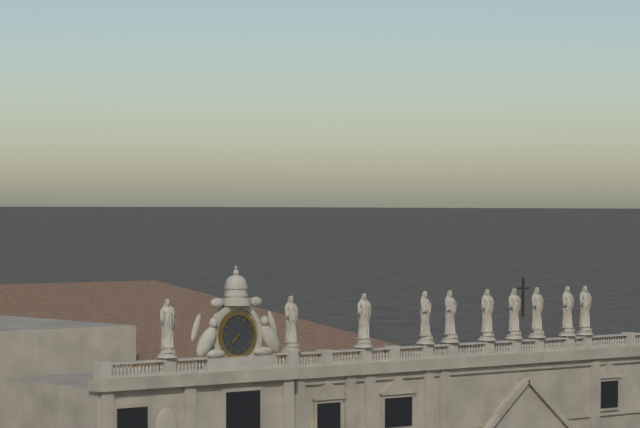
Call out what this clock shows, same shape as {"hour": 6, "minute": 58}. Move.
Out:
{"hour": 7, "minute": 37}
